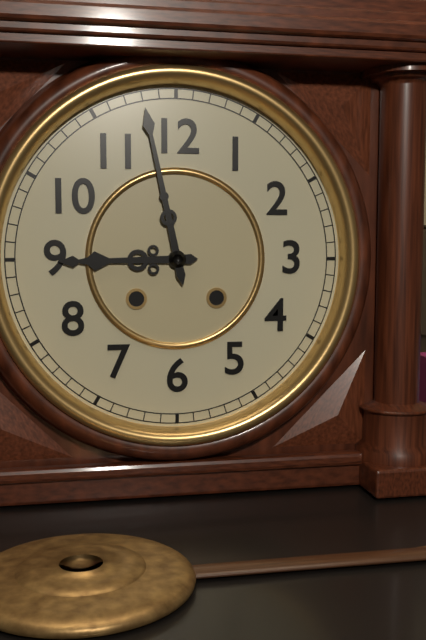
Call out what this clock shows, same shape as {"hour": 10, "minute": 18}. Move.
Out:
{"hour": 8, "minute": 58}
